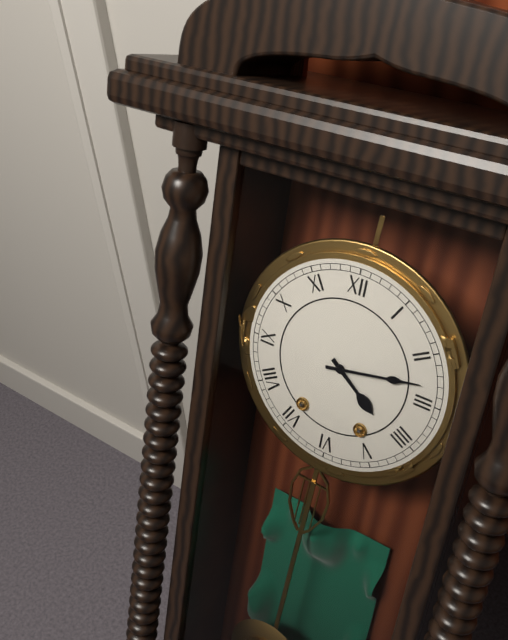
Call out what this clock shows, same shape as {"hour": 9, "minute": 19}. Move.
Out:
{"hour": 4, "minute": 13}
